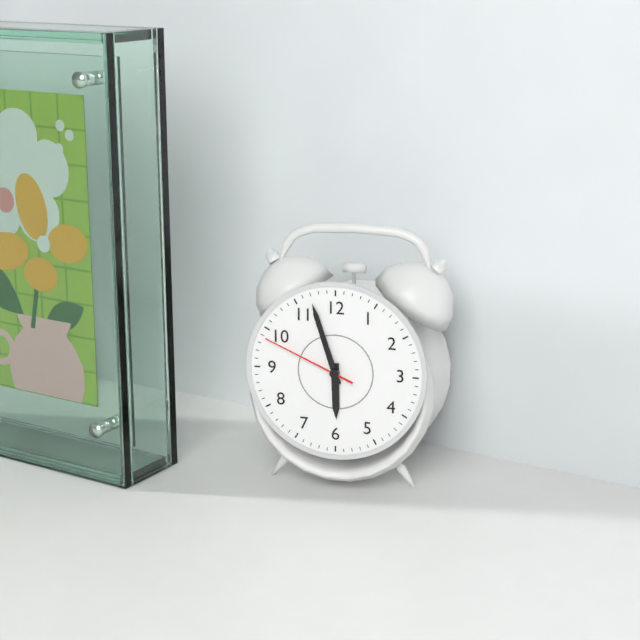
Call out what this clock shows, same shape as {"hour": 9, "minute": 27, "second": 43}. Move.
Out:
{"hour": 5, "minute": 57, "second": 49}
